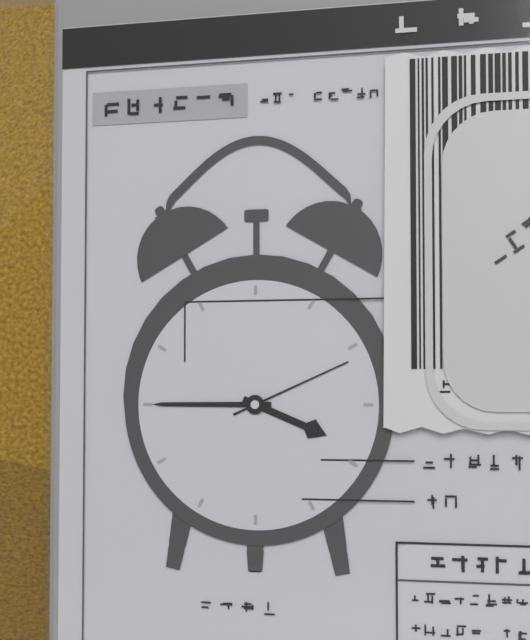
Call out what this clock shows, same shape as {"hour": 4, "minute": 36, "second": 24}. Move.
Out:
{"hour": 3, "minute": 45, "second": 11}
